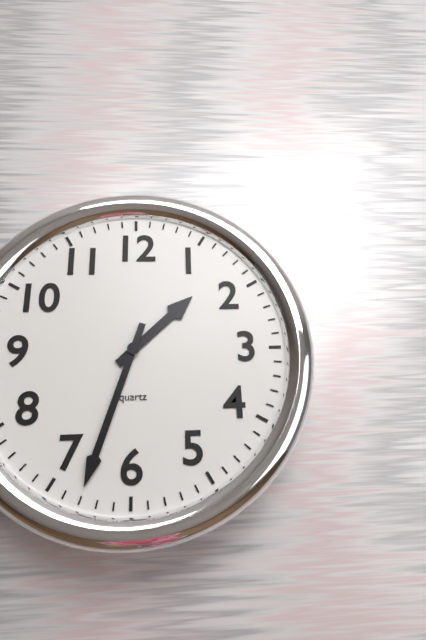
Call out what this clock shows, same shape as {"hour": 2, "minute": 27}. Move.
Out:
{"hour": 1, "minute": 33}
